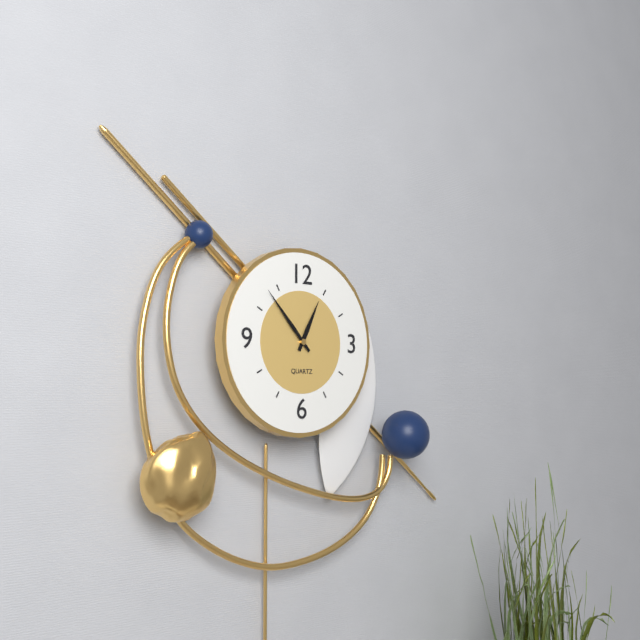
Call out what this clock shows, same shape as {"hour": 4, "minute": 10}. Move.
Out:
{"hour": 12, "minute": 53}
